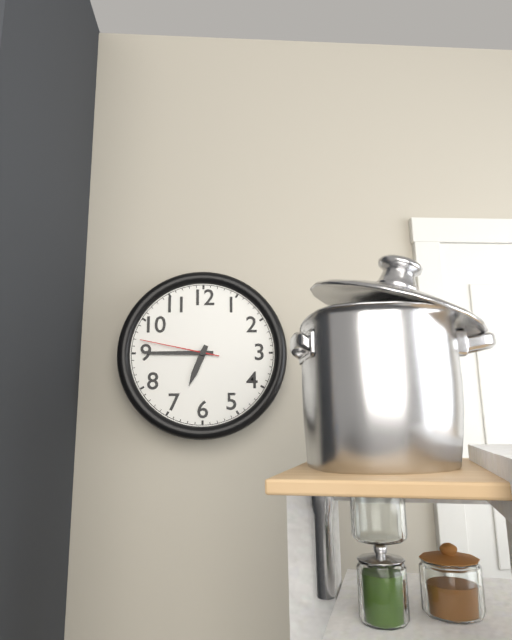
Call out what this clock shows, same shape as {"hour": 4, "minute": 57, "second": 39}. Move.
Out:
{"hour": 6, "minute": 45, "second": 47}
